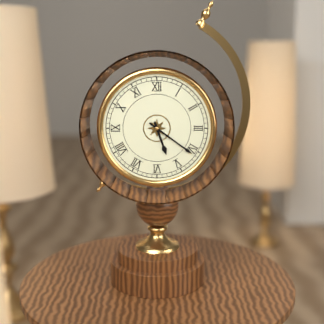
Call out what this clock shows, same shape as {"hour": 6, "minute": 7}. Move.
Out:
{"hour": 5, "minute": 21}
